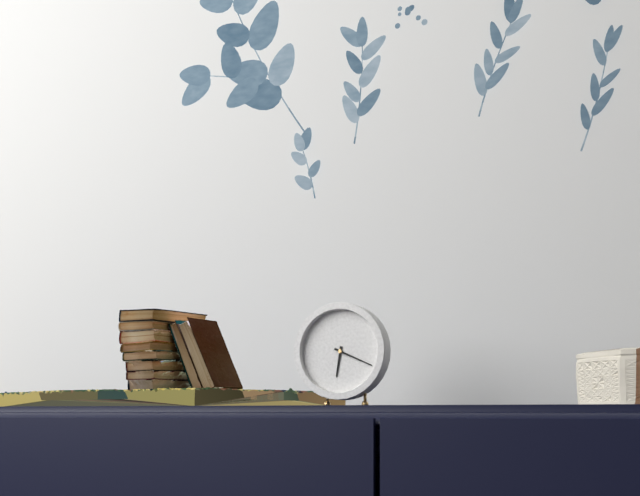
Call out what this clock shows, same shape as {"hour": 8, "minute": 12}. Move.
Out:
{"hour": 6, "minute": 19}
